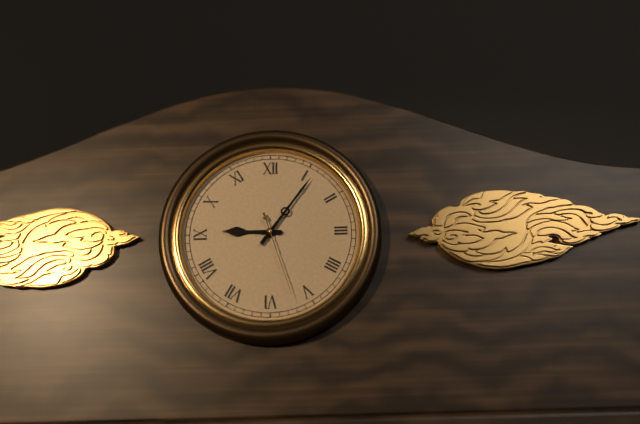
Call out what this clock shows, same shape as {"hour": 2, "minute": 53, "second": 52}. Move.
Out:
{"hour": 9, "minute": 6, "second": 27}
